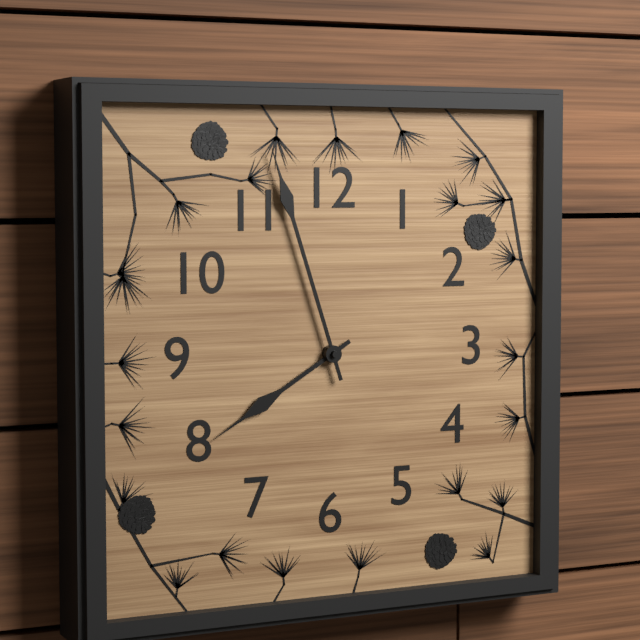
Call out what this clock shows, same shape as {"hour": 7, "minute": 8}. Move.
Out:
{"hour": 7, "minute": 57}
